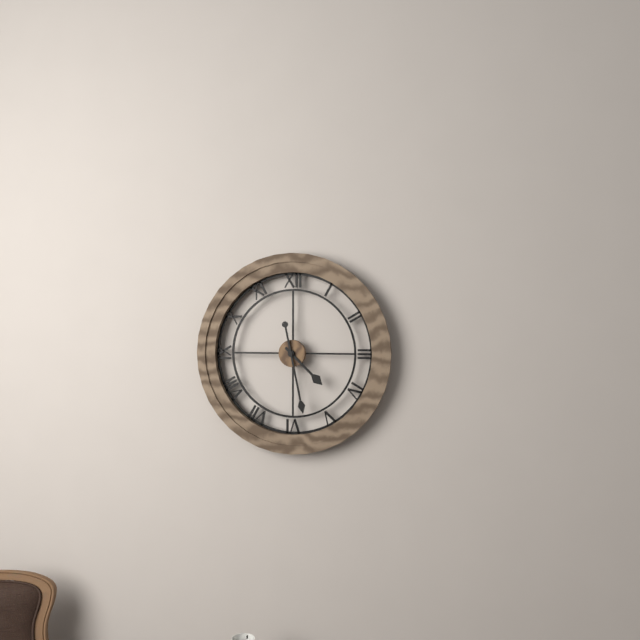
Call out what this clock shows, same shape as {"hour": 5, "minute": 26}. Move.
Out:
{"hour": 4, "minute": 28}
